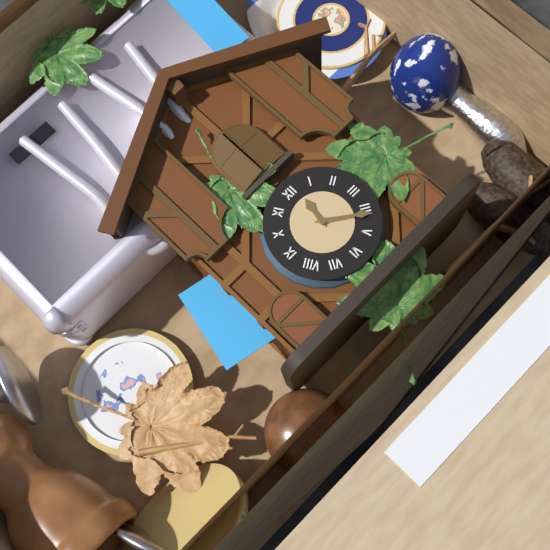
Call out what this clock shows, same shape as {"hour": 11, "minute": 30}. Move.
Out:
{"hour": 12, "minute": 21}
